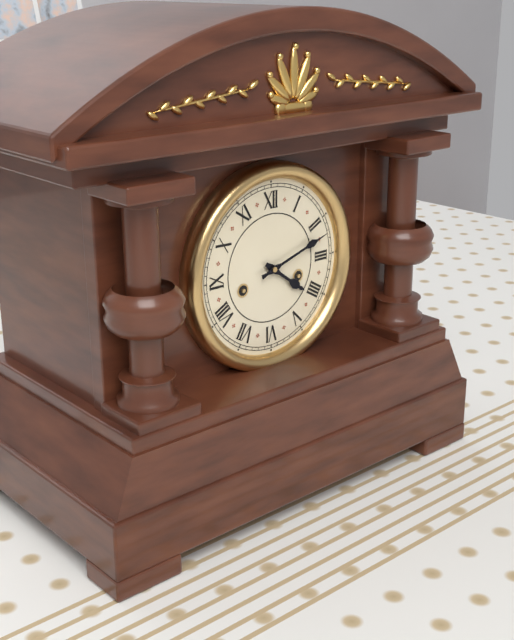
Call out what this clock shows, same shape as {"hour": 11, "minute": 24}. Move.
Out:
{"hour": 4, "minute": 12}
